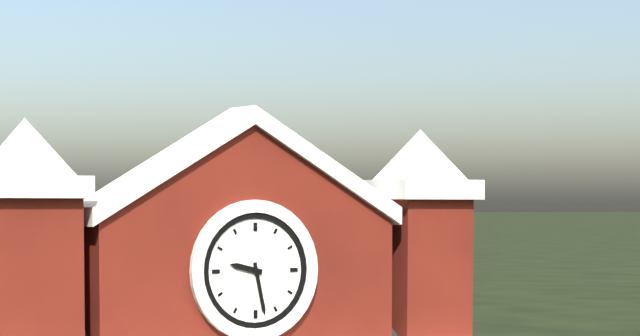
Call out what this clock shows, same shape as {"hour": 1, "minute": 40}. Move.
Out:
{"hour": 9, "minute": 28}
